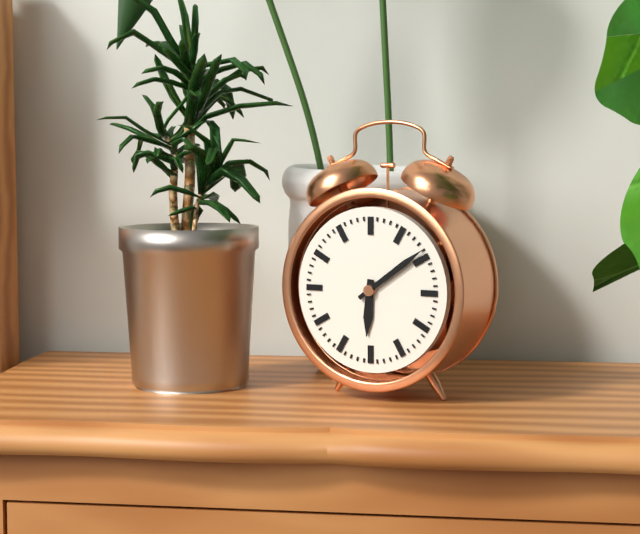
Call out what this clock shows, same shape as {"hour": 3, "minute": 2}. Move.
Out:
{"hour": 6, "minute": 9}
